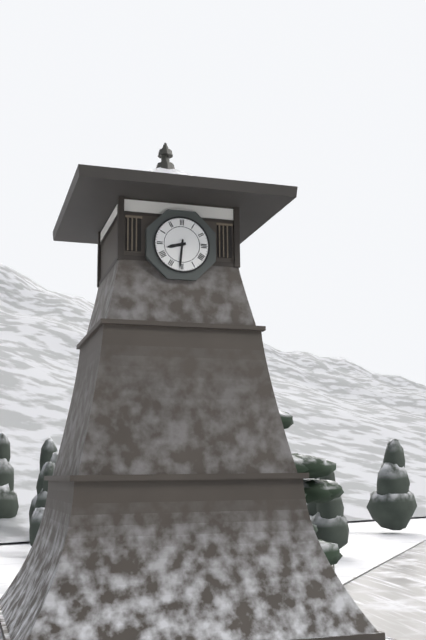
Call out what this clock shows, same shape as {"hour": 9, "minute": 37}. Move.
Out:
{"hour": 8, "minute": 31}
